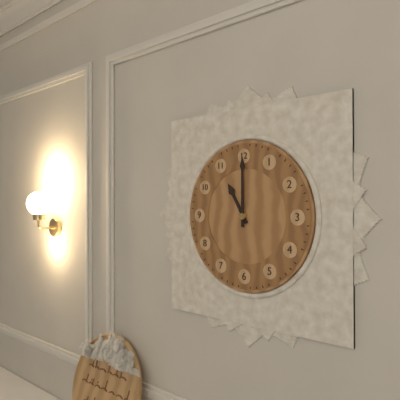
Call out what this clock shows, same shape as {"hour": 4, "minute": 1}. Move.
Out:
{"hour": 11, "minute": 0}
